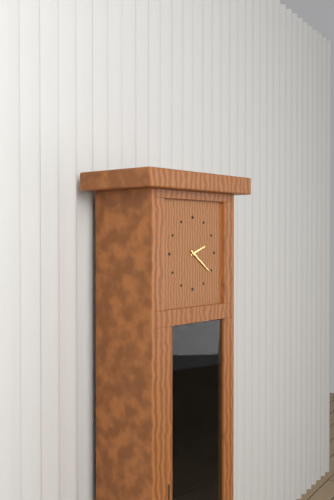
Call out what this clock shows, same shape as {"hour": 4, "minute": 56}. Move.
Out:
{"hour": 2, "minute": 21}
